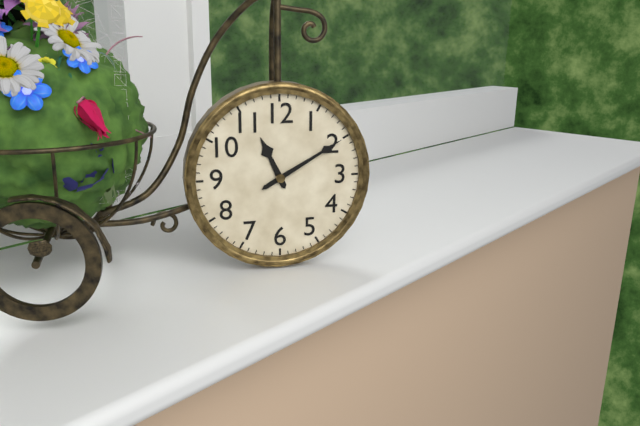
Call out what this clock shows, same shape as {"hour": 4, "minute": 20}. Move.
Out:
{"hour": 11, "minute": 10}
